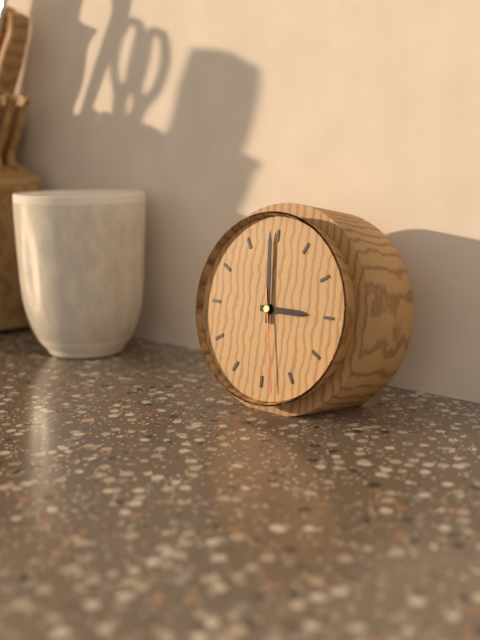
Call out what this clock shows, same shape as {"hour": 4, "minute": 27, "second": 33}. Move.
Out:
{"hour": 2, "minute": 59, "second": 28}
